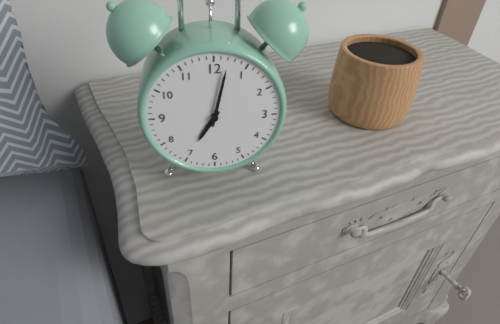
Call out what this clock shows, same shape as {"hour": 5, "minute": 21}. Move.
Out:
{"hour": 7, "minute": 2}
